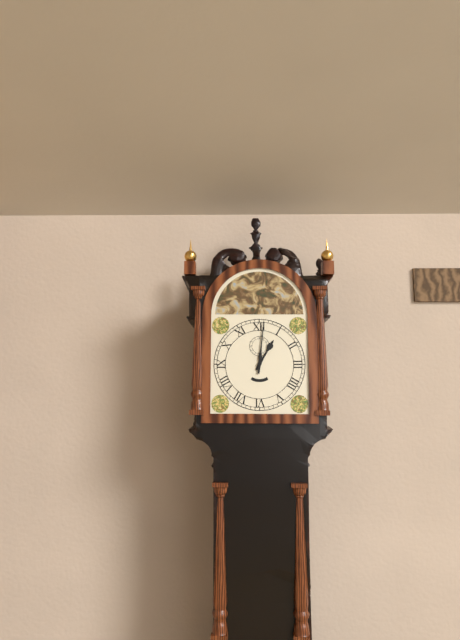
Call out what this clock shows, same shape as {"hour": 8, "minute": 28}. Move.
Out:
{"hour": 1, "minute": 1}
